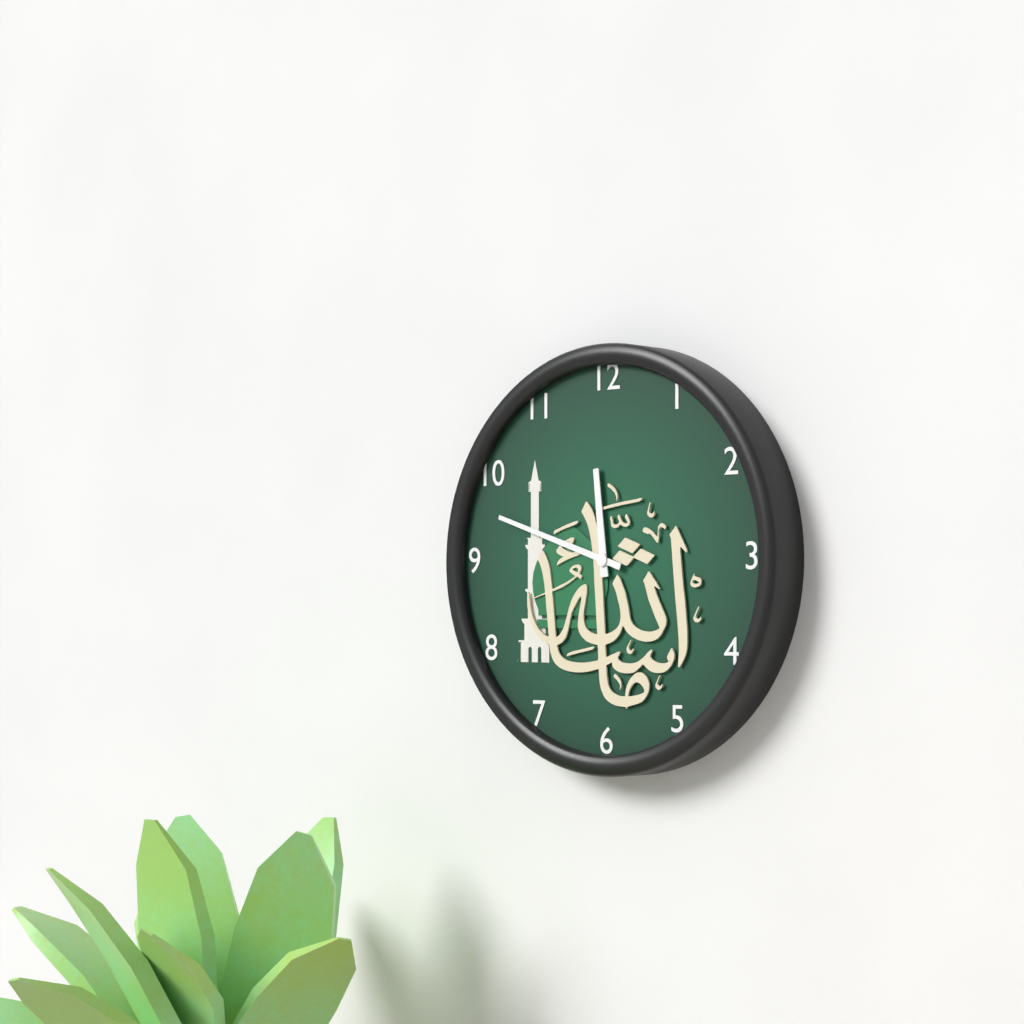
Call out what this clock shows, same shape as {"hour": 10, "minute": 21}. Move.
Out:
{"hour": 11, "minute": 48}
